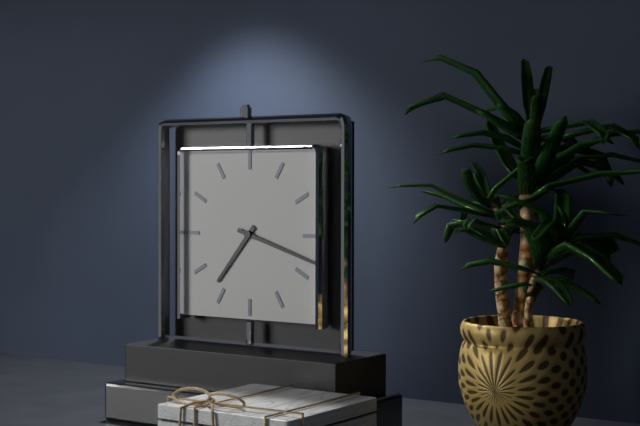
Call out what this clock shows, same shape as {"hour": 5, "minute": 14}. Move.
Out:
{"hour": 7, "minute": 18}
